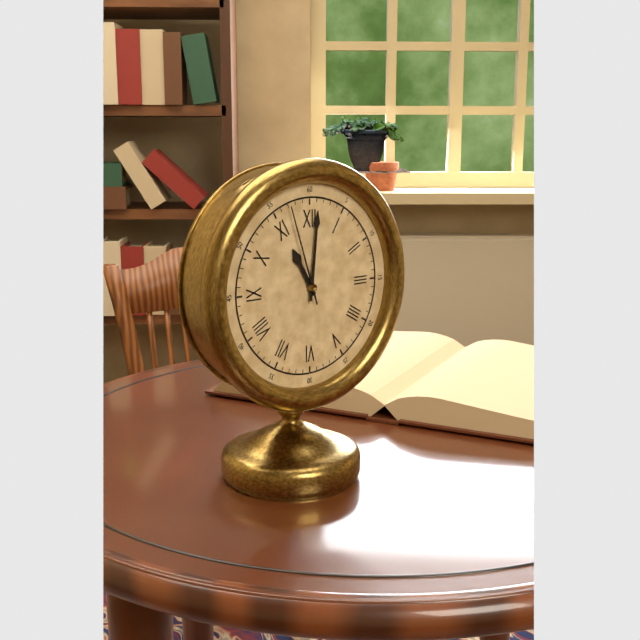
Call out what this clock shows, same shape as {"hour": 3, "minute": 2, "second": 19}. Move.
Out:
{"hour": 11, "minute": 1, "second": 57}
